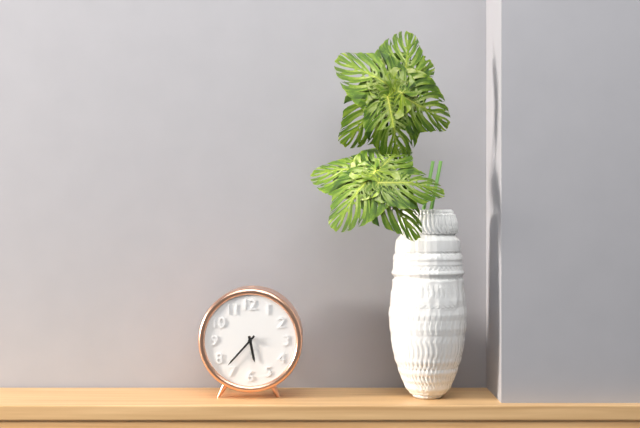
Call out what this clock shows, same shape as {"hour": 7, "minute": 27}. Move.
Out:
{"hour": 5, "minute": 37}
